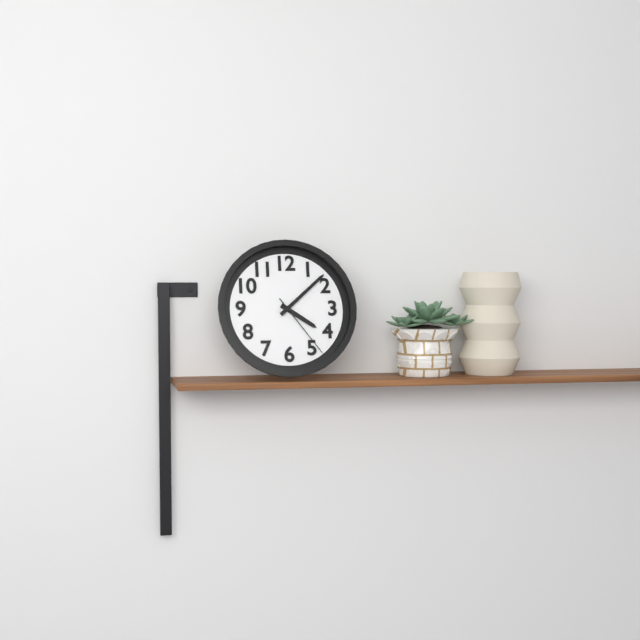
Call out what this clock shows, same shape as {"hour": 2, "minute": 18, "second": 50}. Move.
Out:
{"hour": 4, "minute": 8, "second": 24}
